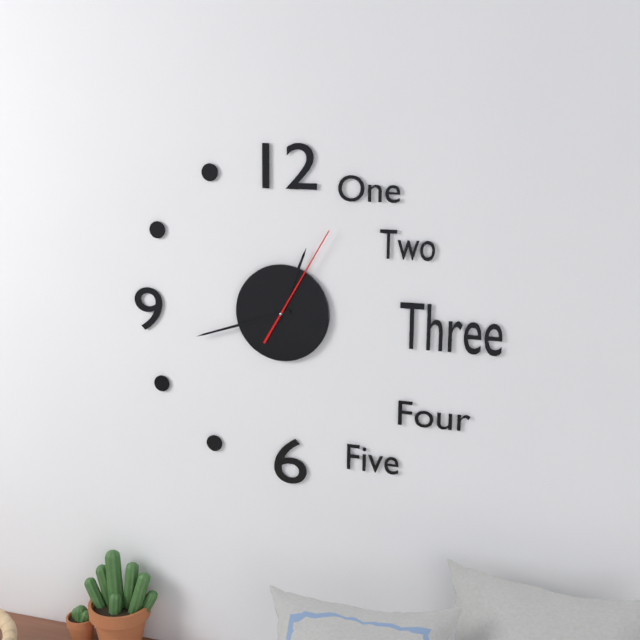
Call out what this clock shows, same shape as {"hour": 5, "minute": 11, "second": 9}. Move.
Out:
{"hour": 12, "minute": 42, "second": 5}
